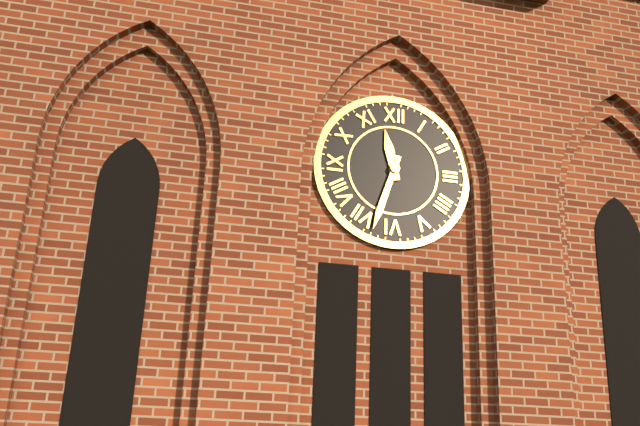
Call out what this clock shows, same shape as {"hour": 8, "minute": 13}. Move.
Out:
{"hour": 11, "minute": 33}
